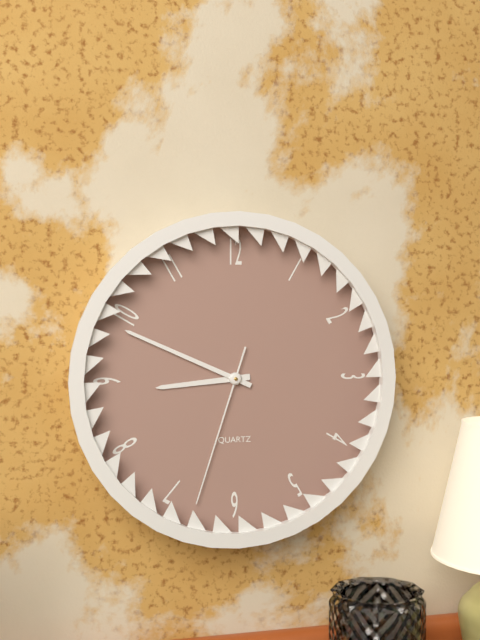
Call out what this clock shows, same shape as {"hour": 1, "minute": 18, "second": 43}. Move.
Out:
{"hour": 8, "minute": 49, "second": 33}
